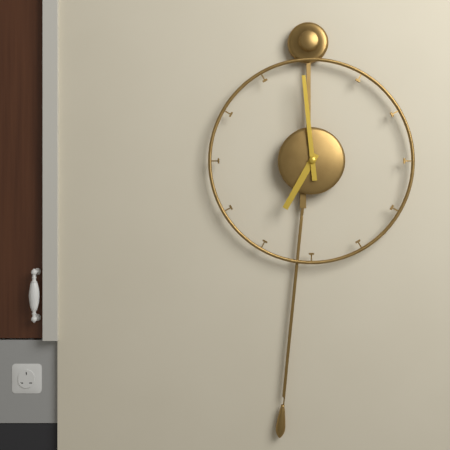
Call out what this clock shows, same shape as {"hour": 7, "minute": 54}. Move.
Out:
{"hour": 6, "minute": 59}
